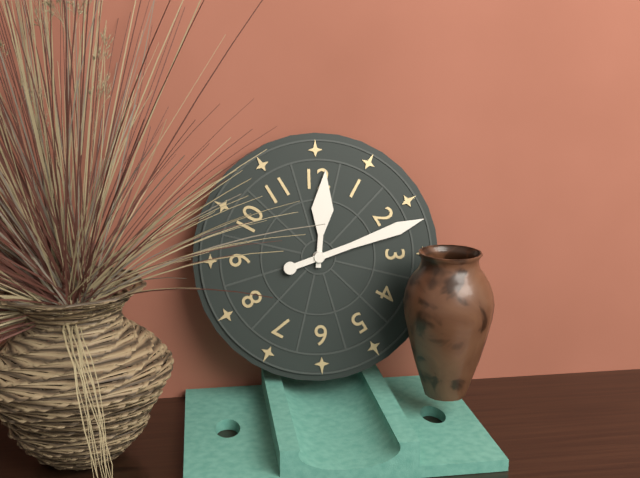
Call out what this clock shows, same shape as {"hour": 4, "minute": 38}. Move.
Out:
{"hour": 12, "minute": 12}
